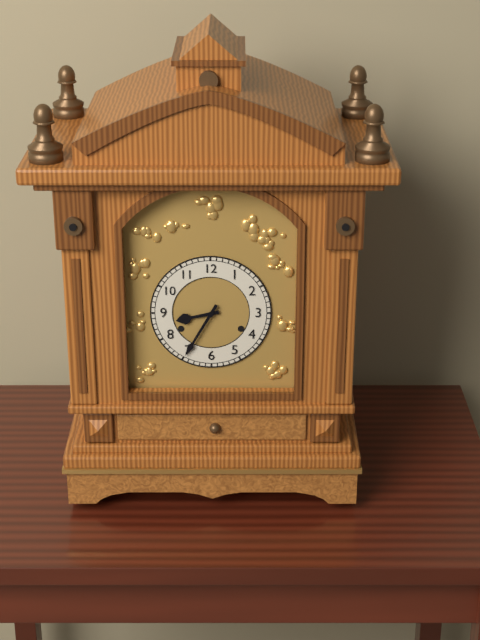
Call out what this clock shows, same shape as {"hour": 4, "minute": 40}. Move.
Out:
{"hour": 8, "minute": 35}
